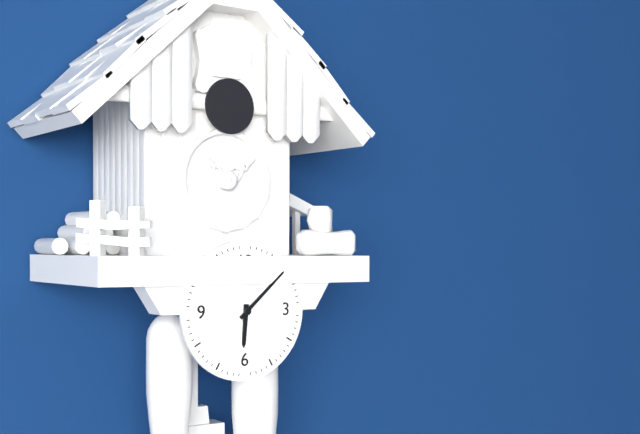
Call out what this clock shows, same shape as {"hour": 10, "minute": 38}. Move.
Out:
{"hour": 6, "minute": 8}
